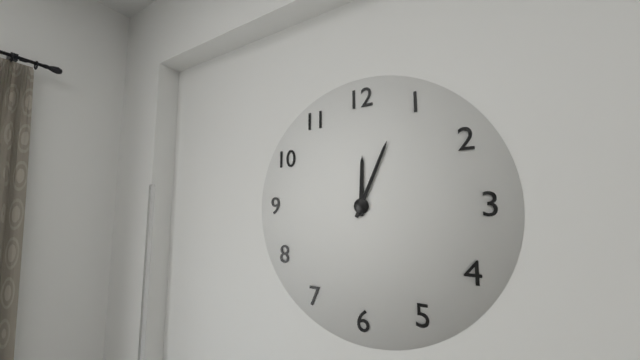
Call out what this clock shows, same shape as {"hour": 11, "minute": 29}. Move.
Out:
{"hour": 12, "minute": 4}
